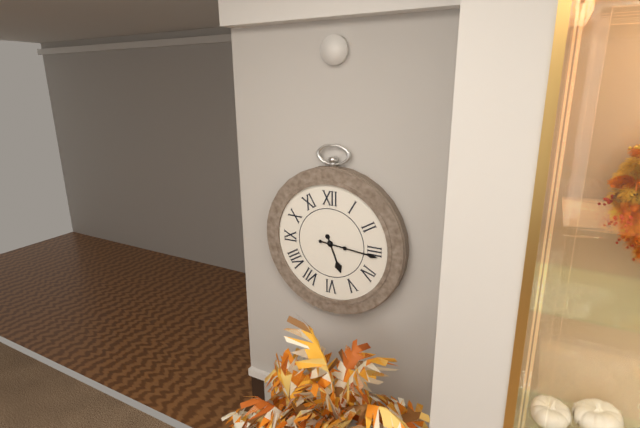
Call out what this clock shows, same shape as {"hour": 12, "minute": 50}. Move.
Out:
{"hour": 5, "minute": 16}
